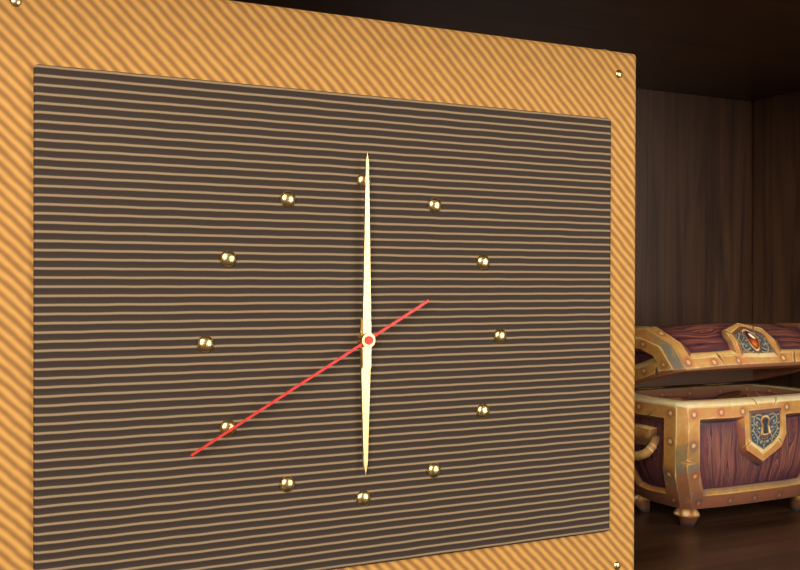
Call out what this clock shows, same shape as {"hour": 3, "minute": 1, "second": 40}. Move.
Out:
{"hour": 6, "minute": 0, "second": 40}
